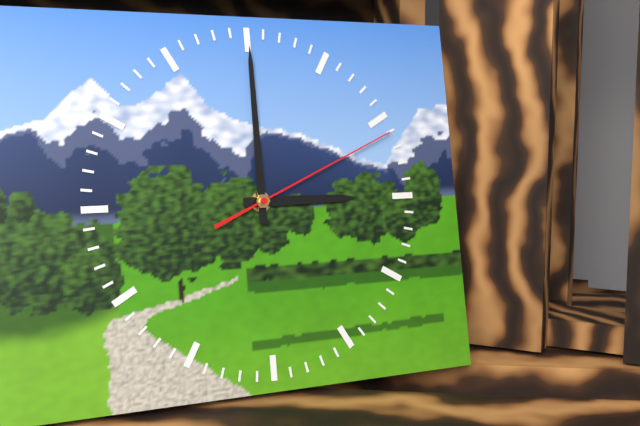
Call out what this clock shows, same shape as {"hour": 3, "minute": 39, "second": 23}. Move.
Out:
{"hour": 3, "minute": 0, "second": 11}
